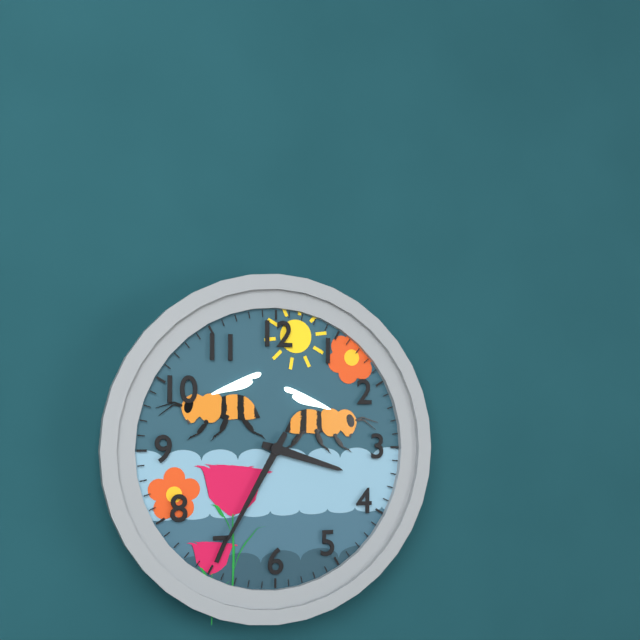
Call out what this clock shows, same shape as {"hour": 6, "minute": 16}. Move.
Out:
{"hour": 3, "minute": 35}
